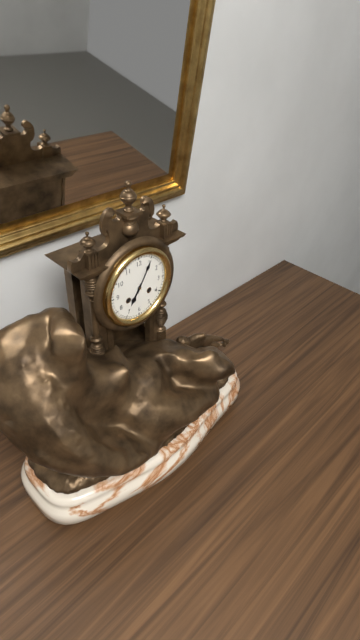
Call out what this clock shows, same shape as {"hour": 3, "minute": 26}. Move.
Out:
{"hour": 7, "minute": 5}
